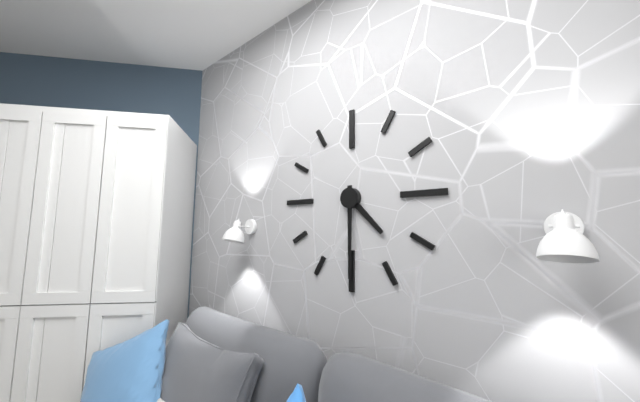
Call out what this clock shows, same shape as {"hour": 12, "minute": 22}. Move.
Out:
{"hour": 4, "minute": 30}
